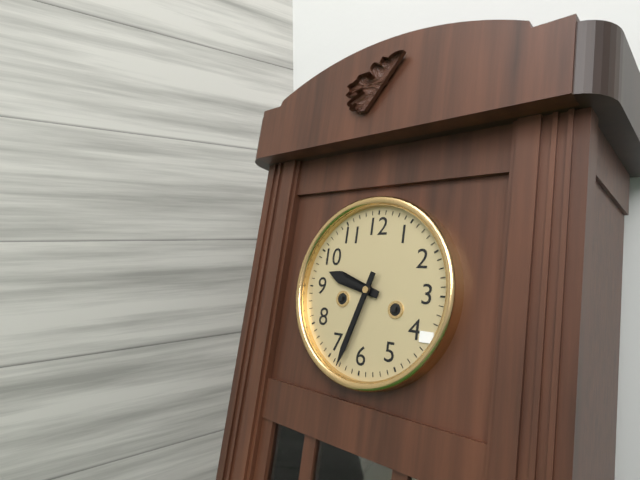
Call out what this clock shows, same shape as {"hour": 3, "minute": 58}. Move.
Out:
{"hour": 9, "minute": 33}
